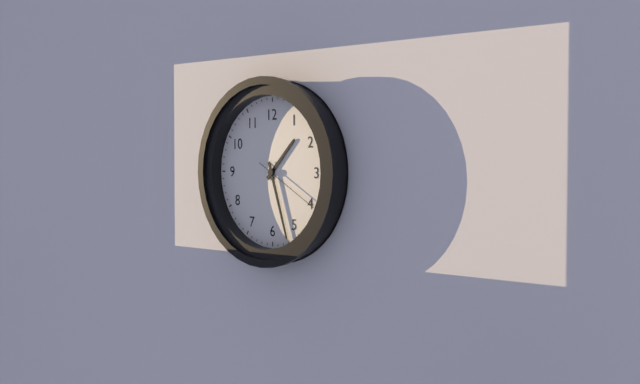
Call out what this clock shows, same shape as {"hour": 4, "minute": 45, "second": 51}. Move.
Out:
{"hour": 1, "minute": 27, "second": 20}
